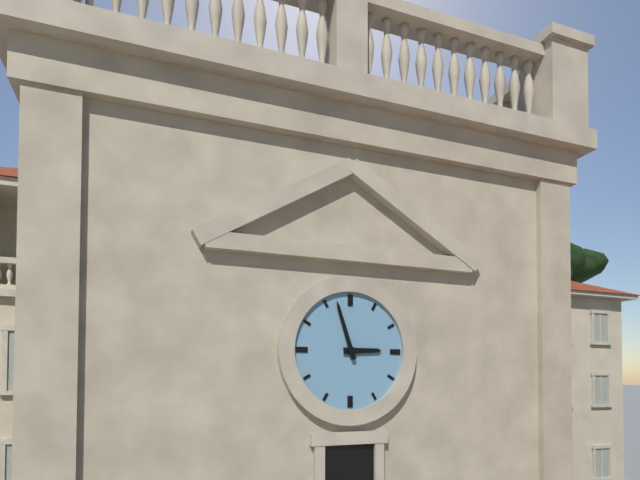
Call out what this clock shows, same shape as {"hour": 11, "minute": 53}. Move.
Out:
{"hour": 2, "minute": 57}
